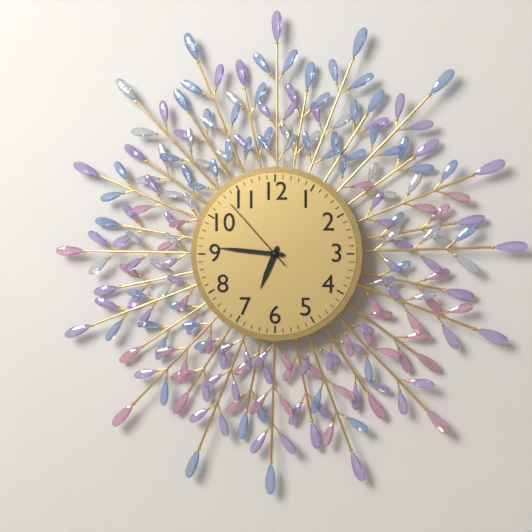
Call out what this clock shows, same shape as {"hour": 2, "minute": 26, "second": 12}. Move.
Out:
{"hour": 6, "minute": 46, "second": 53}
